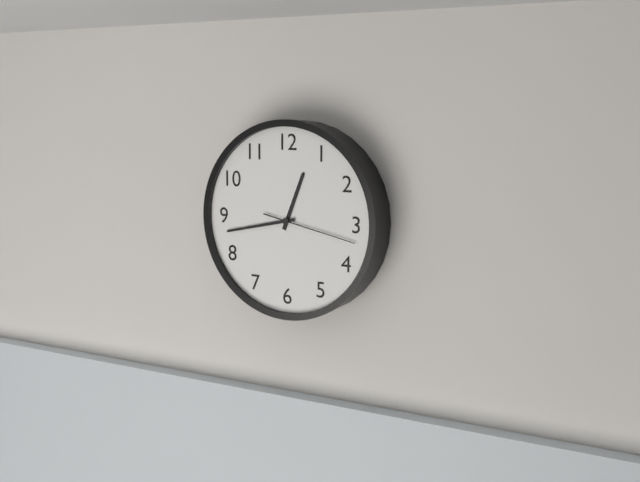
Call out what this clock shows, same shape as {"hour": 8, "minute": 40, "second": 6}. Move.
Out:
{"hour": 12, "minute": 43, "second": 17}
